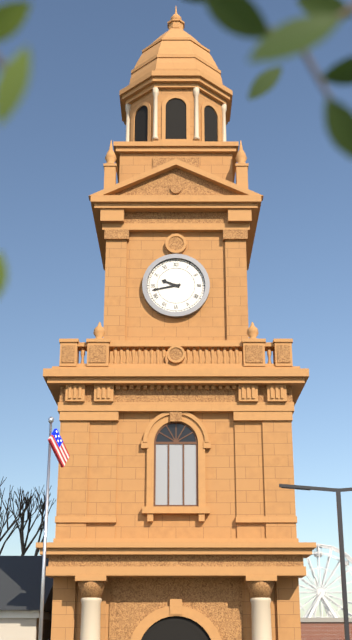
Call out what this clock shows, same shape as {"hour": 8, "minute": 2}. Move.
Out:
{"hour": 9, "minute": 43}
